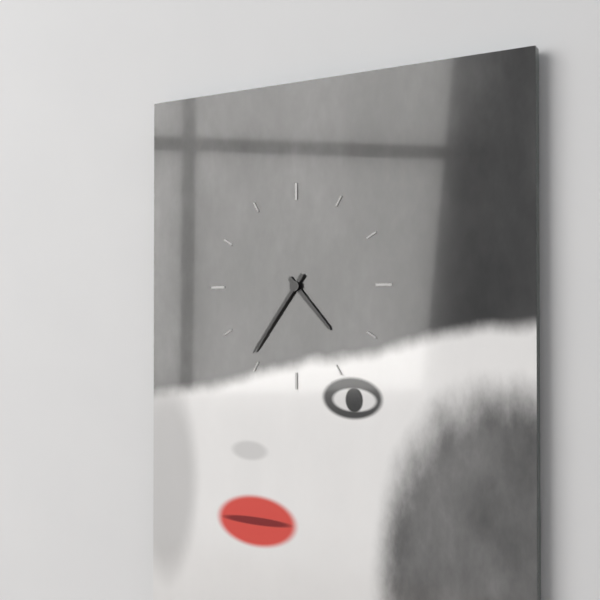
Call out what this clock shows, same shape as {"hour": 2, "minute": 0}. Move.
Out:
{"hour": 4, "minute": 36}
